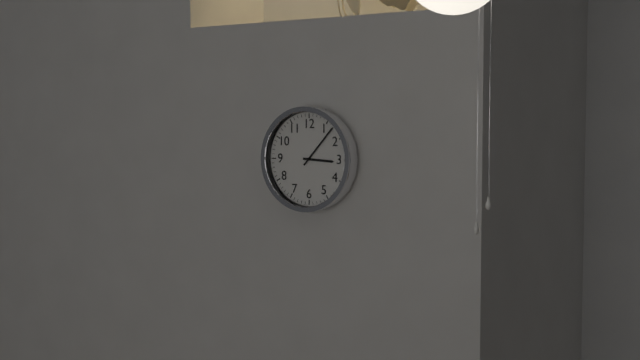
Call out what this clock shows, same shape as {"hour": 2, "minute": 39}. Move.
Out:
{"hour": 3, "minute": 7}
